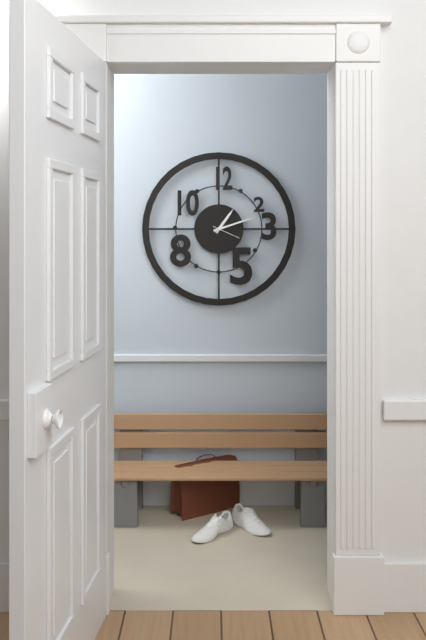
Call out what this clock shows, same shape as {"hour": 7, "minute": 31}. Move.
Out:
{"hour": 1, "minute": 12}
